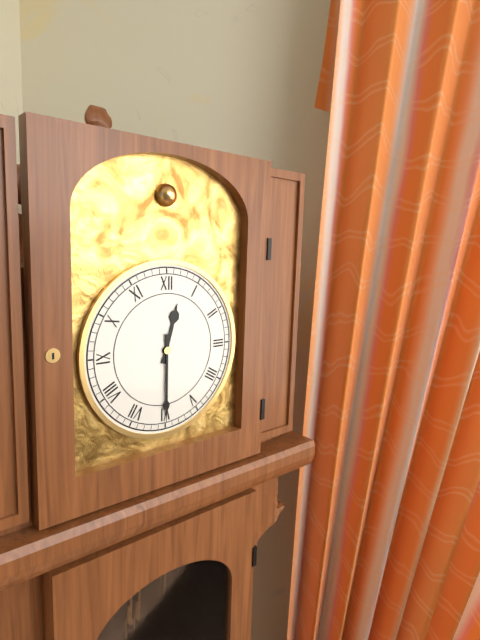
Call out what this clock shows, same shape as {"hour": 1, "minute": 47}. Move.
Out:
{"hour": 12, "minute": 30}
